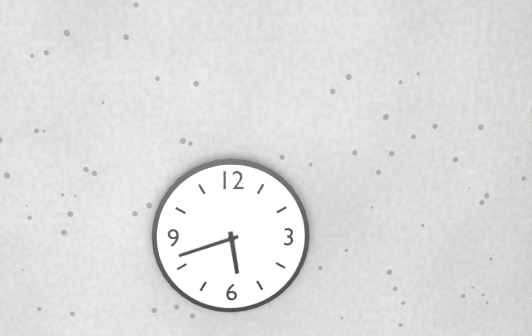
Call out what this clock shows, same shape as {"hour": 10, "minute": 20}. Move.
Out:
{"hour": 5, "minute": 42}
